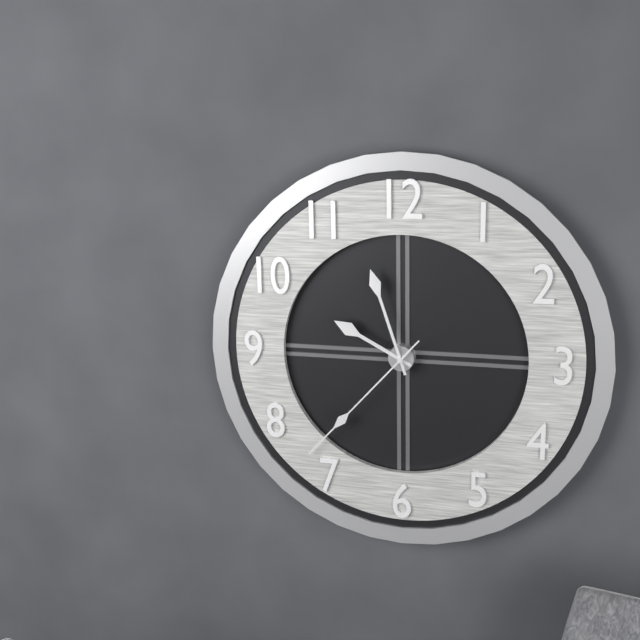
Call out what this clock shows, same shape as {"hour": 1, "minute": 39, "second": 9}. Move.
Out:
{"hour": 9, "minute": 57, "second": 37}
